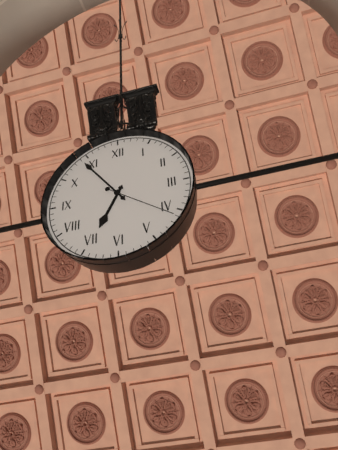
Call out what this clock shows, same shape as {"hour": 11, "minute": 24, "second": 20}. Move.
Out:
{"hour": 6, "minute": 54, "second": 21}
